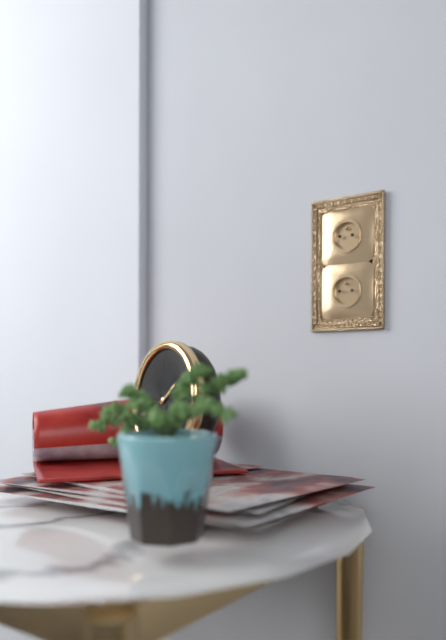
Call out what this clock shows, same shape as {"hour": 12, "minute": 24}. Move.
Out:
{"hour": 1, "minute": 41}
